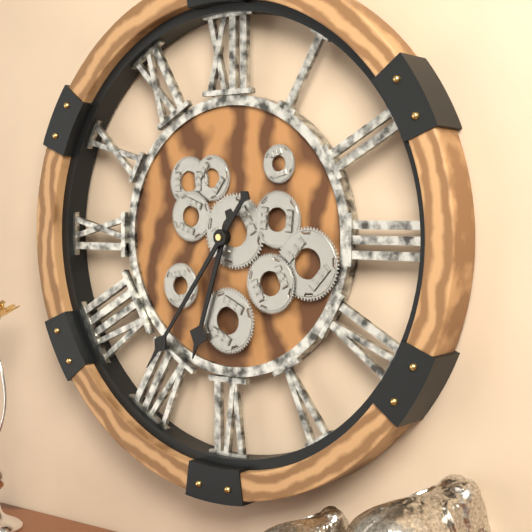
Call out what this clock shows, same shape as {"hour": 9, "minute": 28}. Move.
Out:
{"hour": 6, "minute": 36}
